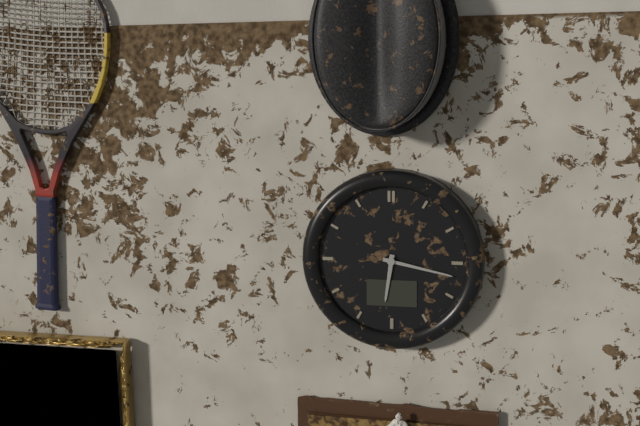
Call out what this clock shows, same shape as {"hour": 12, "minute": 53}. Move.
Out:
{"hour": 6, "minute": 17}
